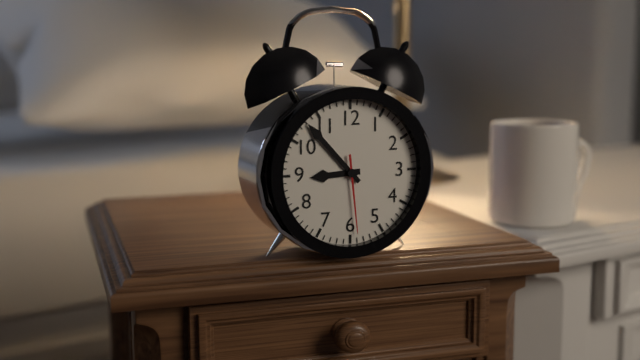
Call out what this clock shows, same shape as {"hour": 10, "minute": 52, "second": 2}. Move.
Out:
{"hour": 8, "minute": 53, "second": 29}
